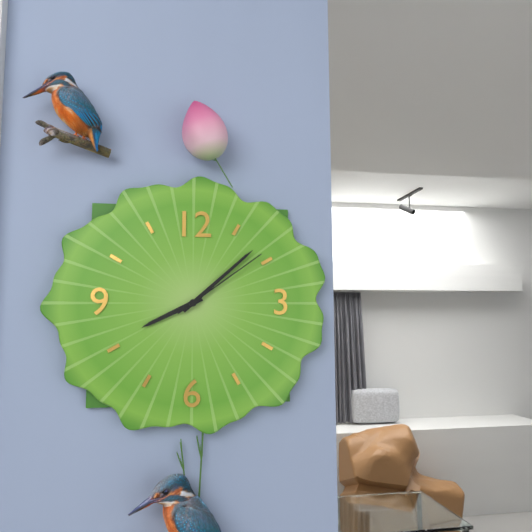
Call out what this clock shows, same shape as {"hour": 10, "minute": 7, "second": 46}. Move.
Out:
{"hour": 8, "minute": 8, "second": 9}
